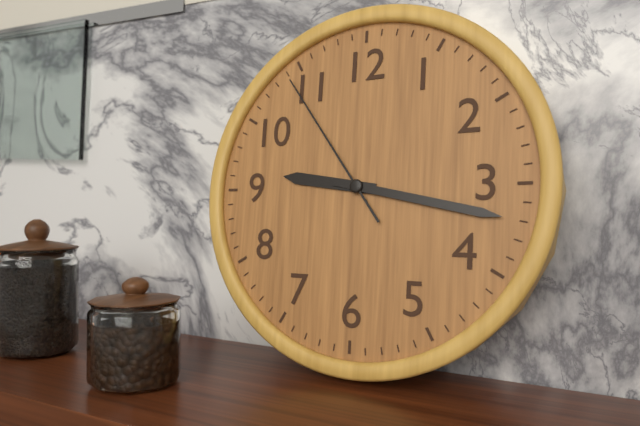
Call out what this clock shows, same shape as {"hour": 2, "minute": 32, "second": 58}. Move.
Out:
{"hour": 9, "minute": 17, "second": 54}
